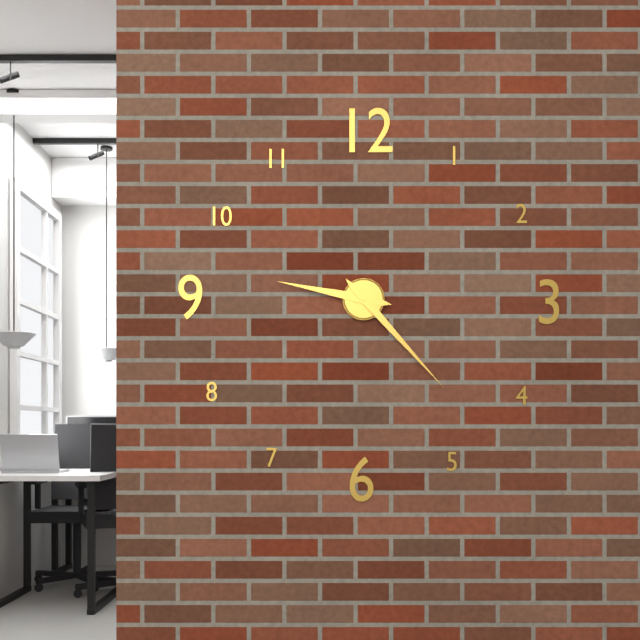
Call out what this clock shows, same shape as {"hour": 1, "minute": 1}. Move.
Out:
{"hour": 9, "minute": 23}
